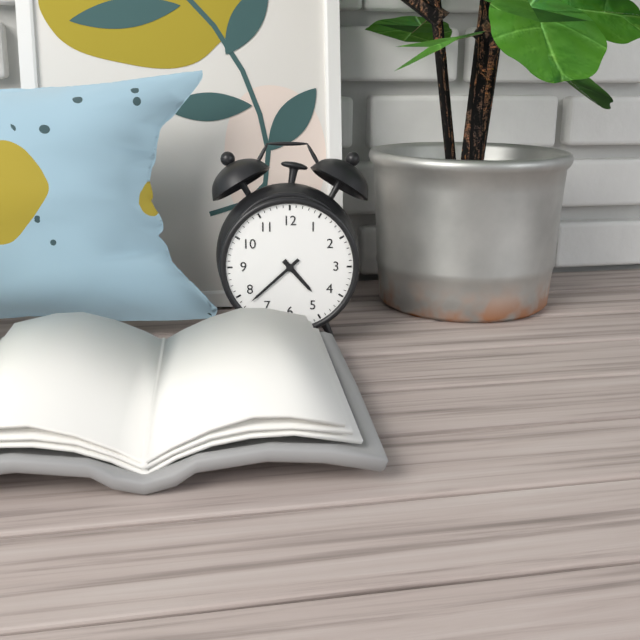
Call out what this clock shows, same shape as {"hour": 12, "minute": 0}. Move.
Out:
{"hour": 4, "minute": 38}
